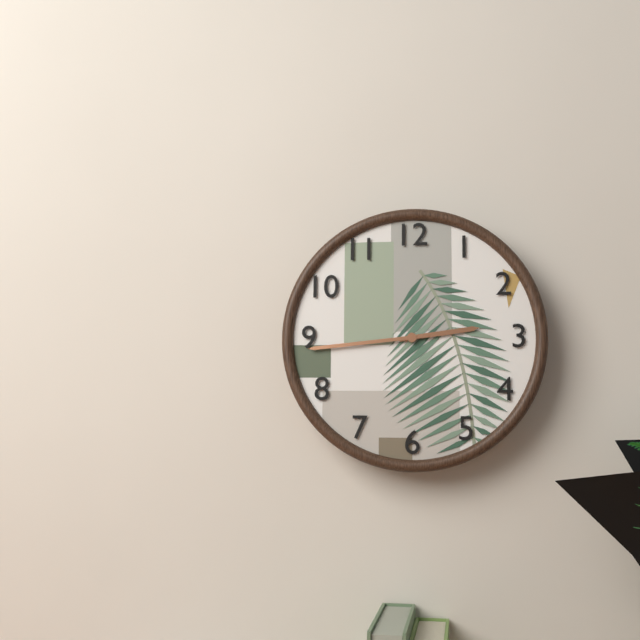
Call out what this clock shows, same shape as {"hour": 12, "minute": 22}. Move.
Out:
{"hour": 2, "minute": 44}
